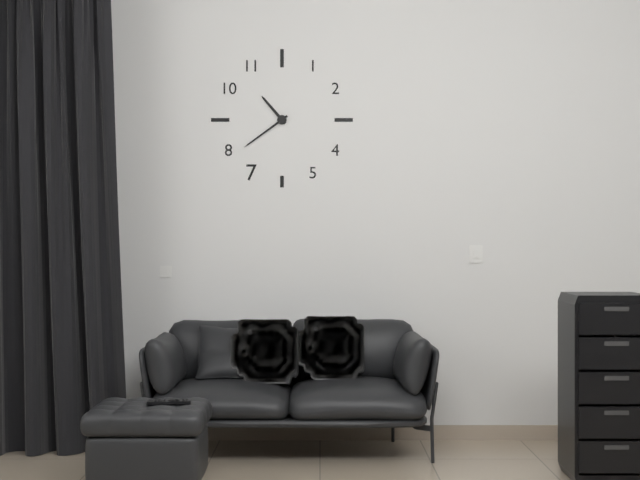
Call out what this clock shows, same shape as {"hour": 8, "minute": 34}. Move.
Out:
{"hour": 10, "minute": 39}
